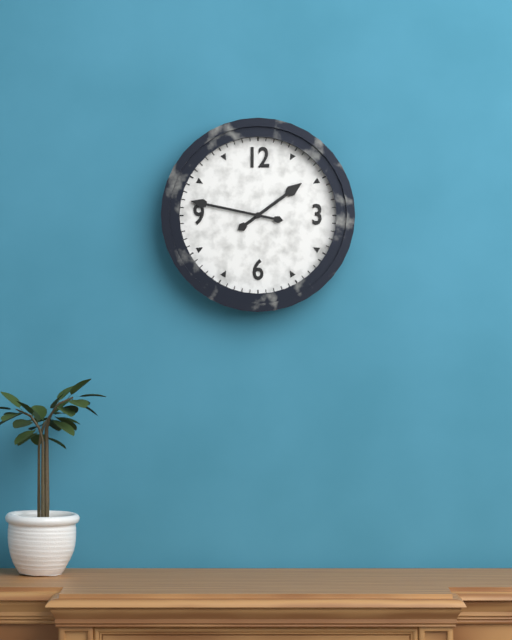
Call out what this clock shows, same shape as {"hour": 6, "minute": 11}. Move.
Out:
{"hour": 1, "minute": 47}
